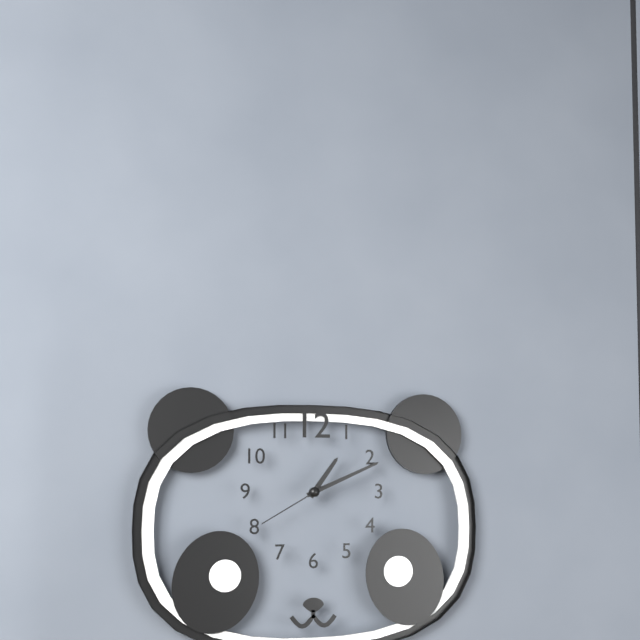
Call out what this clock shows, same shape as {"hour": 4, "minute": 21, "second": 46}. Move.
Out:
{"hour": 1, "minute": 11, "second": 40}
